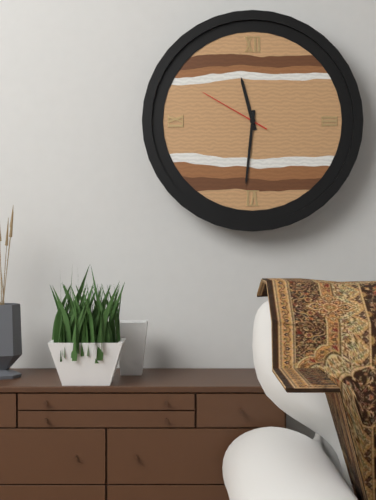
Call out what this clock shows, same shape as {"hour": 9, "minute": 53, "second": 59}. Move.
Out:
{"hour": 11, "minute": 31, "second": 50}
